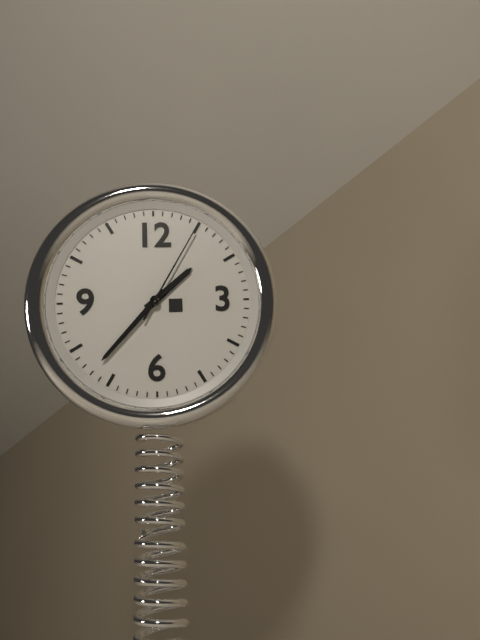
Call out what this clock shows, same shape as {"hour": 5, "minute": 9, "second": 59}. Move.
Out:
{"hour": 1, "minute": 37, "second": 5}
